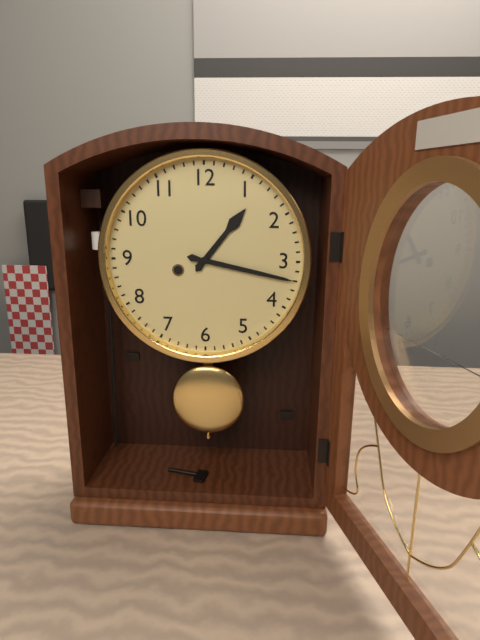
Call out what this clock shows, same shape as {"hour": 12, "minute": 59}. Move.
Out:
{"hour": 1, "minute": 17}
